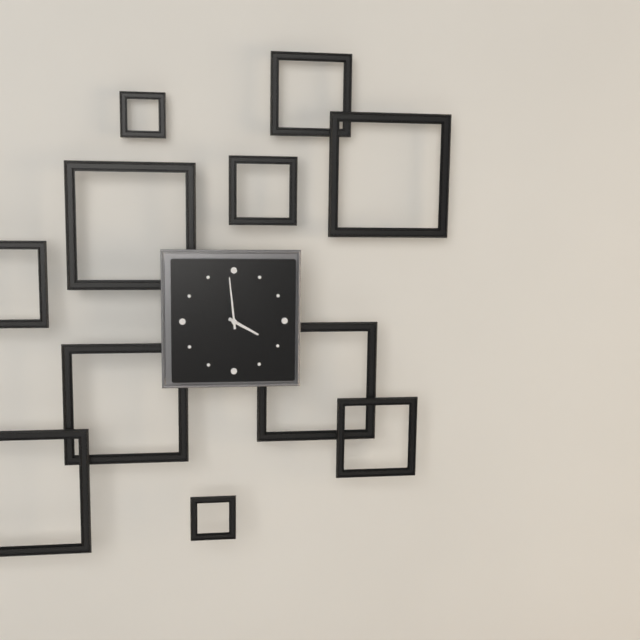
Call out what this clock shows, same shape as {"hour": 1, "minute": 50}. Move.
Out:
{"hour": 3, "minute": 59}
